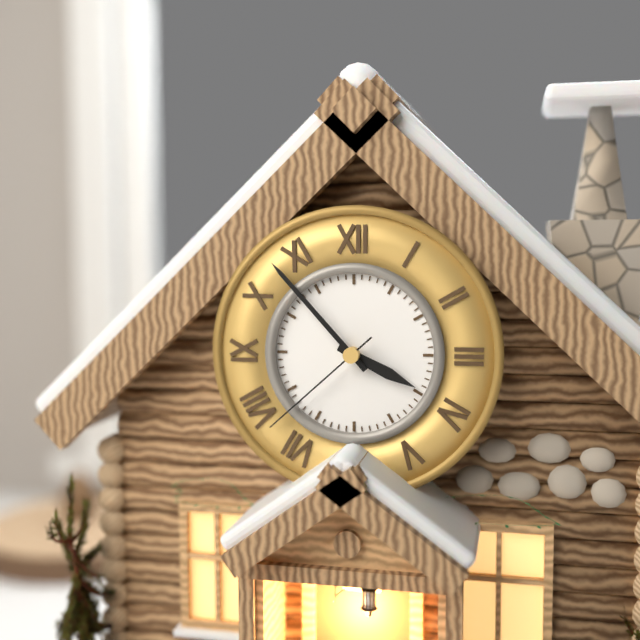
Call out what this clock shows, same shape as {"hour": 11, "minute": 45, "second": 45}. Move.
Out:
{"hour": 3, "minute": 53, "second": 38}
